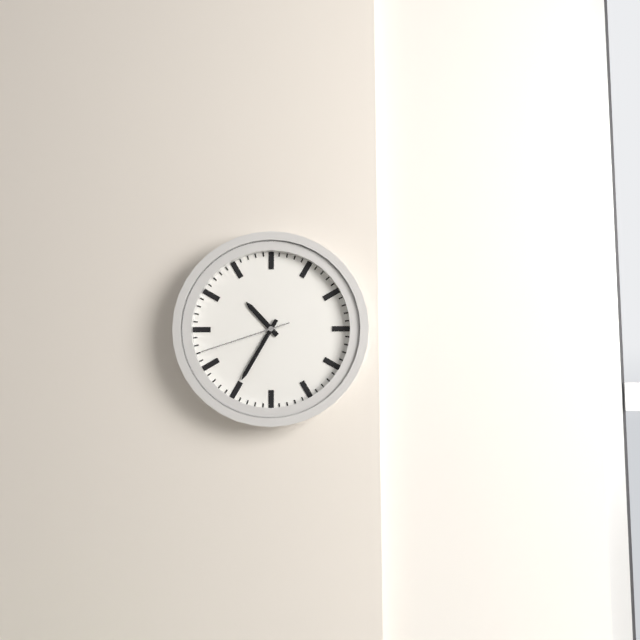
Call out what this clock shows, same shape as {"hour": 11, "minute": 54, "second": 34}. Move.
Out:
{"hour": 10, "minute": 35, "second": 42}
